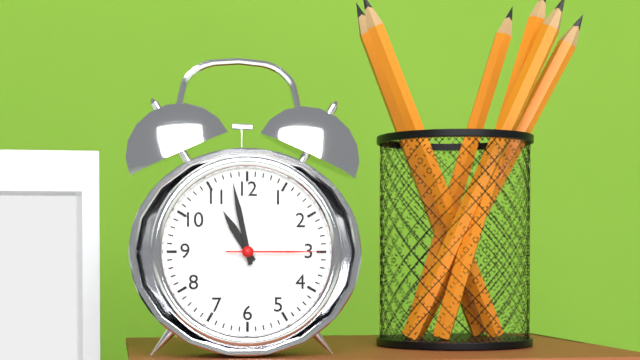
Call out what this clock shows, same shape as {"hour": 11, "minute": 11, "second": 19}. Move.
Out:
{"hour": 10, "minute": 58, "second": 15}
